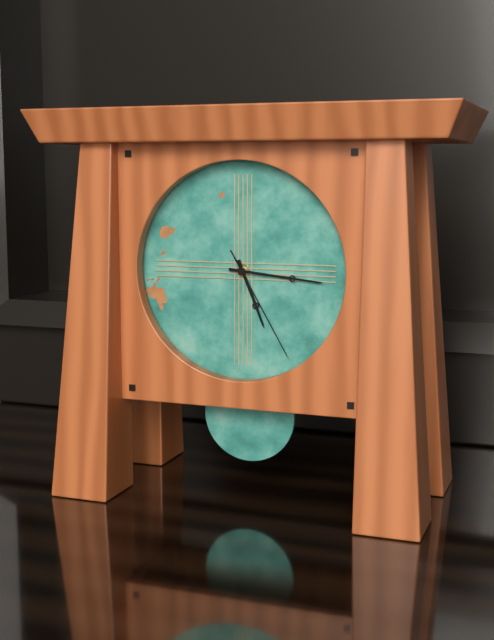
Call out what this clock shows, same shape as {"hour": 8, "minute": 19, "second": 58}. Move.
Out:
{"hour": 5, "minute": 16, "second": 25}
